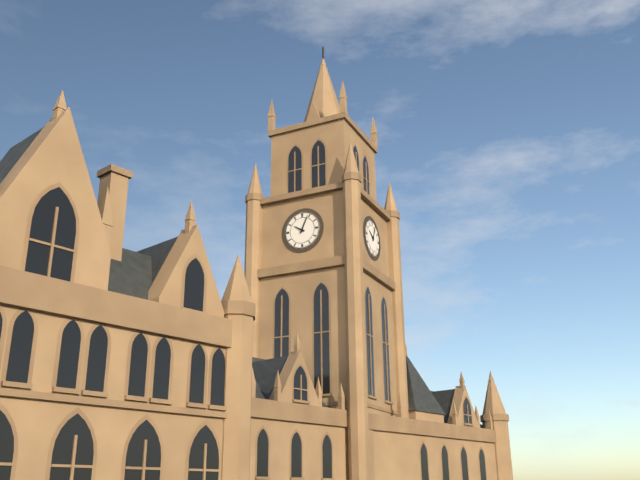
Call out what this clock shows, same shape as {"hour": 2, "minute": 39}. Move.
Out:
{"hour": 10, "minute": 4}
